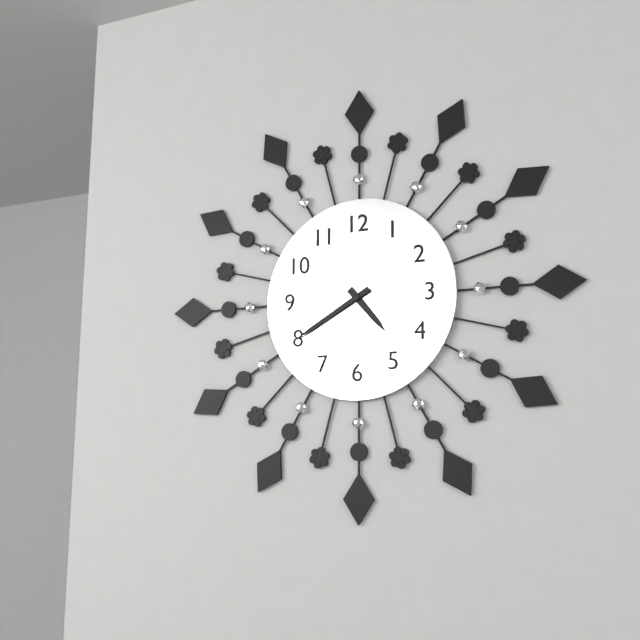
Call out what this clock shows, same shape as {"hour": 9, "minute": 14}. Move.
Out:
{"hour": 4, "minute": 40}
